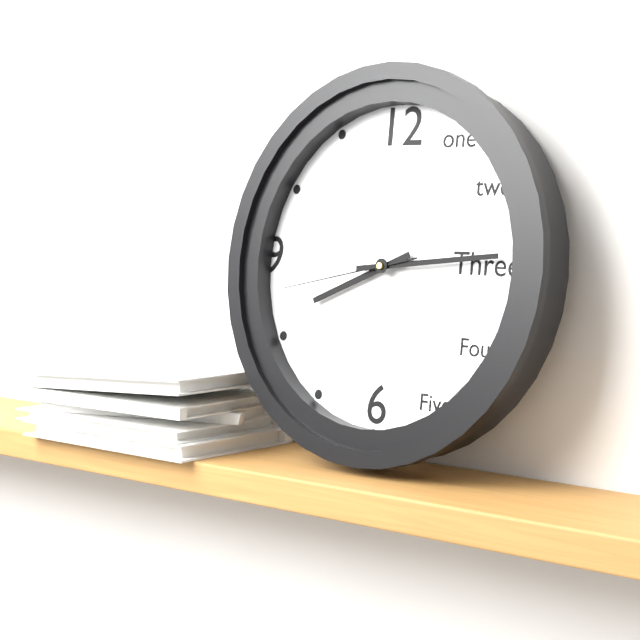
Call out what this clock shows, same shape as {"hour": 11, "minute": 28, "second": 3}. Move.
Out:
{"hour": 8, "minute": 14, "second": 43}
